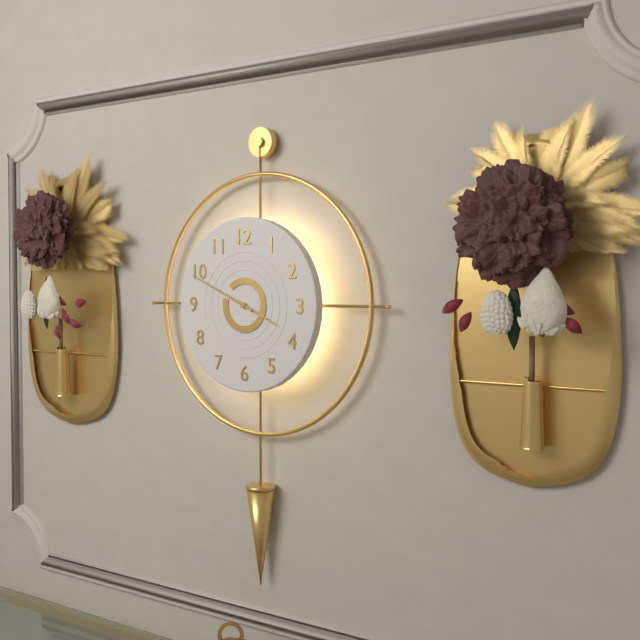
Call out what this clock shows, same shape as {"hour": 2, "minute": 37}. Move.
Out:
{"hour": 3, "minute": 49}
